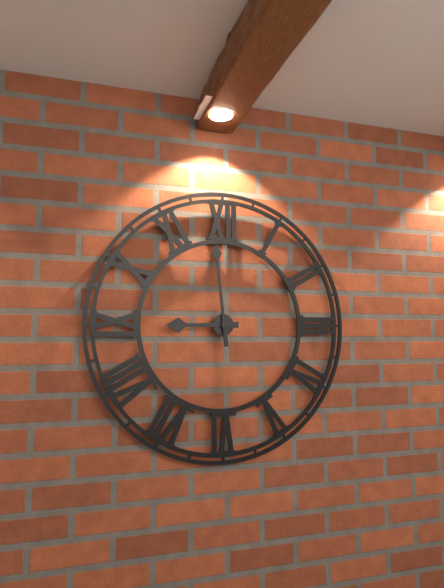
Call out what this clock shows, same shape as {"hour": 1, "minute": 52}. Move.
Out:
{"hour": 8, "minute": 59}
